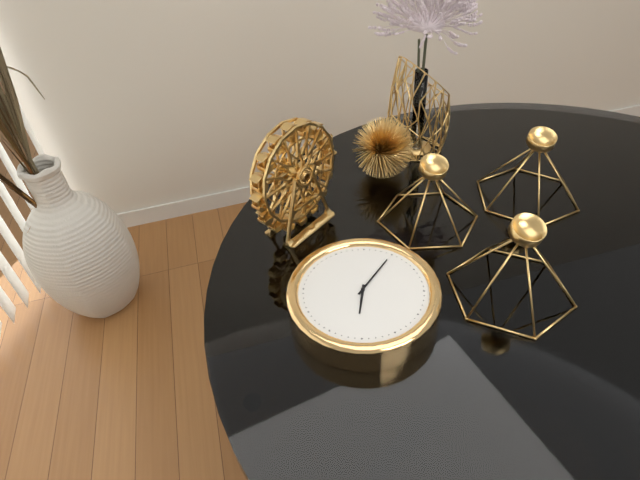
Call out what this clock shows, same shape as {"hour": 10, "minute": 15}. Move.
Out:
{"hour": 7, "minute": 10}
